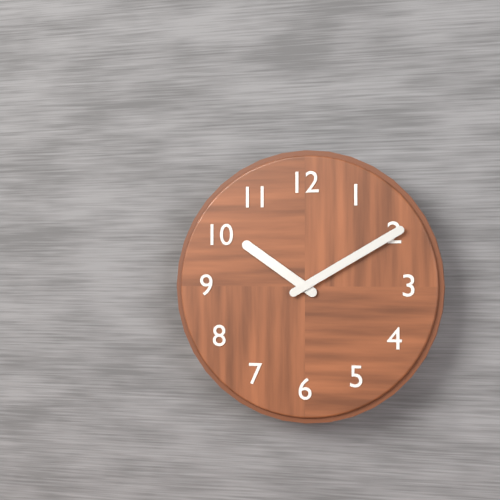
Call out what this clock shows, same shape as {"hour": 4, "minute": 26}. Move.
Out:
{"hour": 10, "minute": 10}
